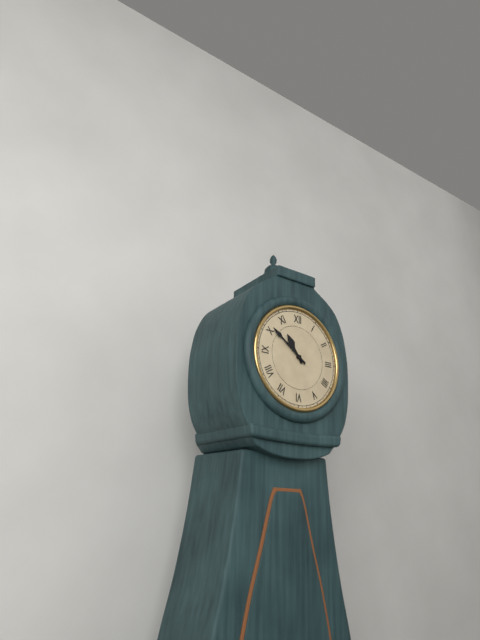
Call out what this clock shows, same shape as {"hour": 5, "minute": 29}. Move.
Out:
{"hour": 10, "minute": 51}
